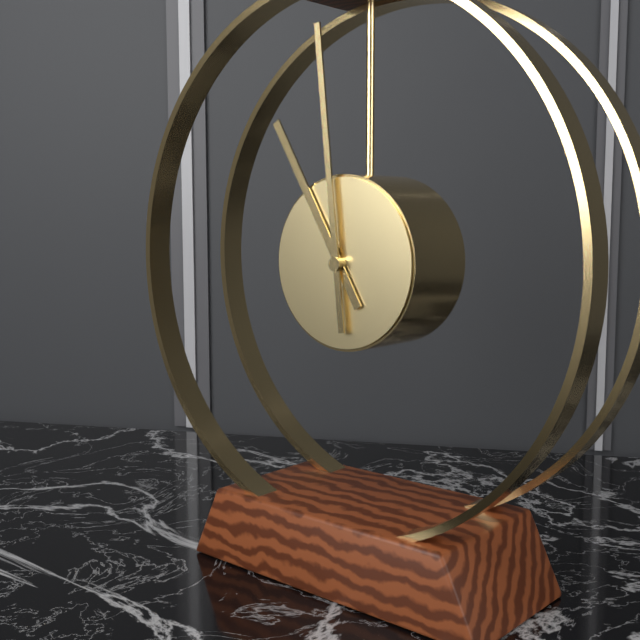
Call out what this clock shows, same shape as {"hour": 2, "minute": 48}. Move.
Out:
{"hour": 10, "minute": 59}
